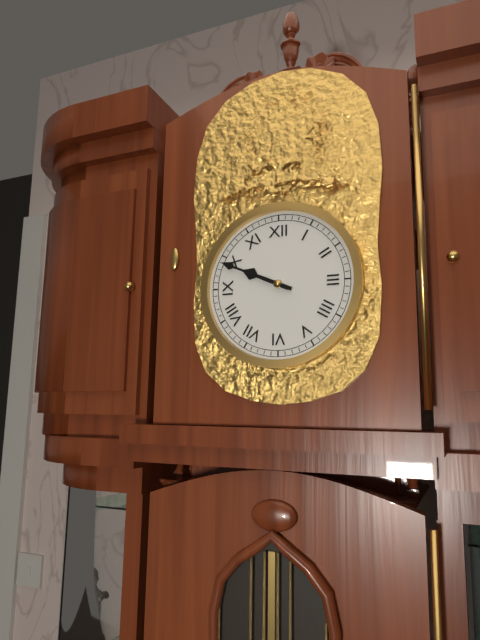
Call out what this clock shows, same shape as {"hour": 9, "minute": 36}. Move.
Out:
{"hour": 9, "minute": 49}
